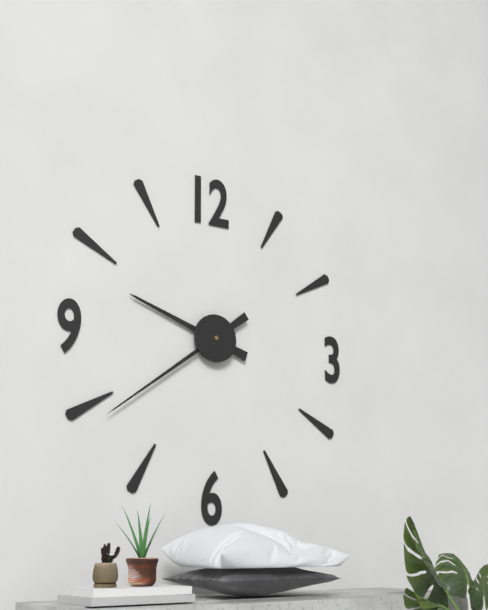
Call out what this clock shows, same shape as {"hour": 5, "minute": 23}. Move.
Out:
{"hour": 9, "minute": 39}
